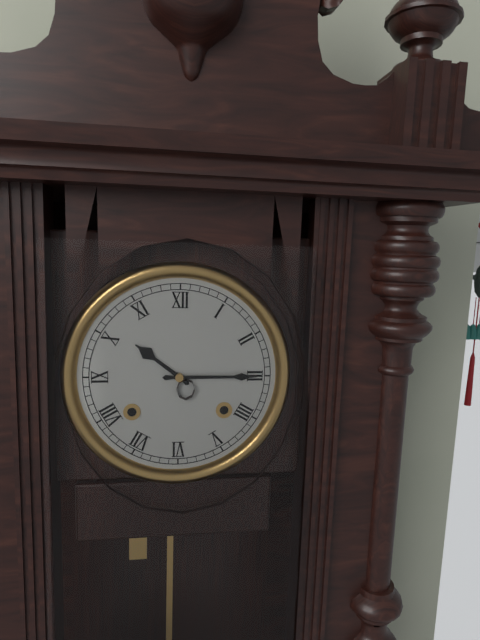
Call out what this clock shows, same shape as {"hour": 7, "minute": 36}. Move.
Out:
{"hour": 10, "minute": 15}
